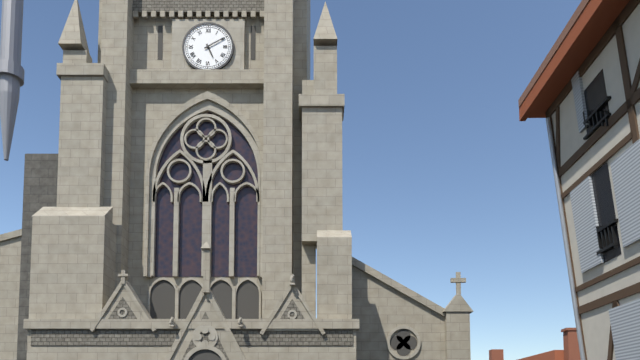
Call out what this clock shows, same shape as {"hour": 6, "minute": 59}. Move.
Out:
{"hour": 5, "minute": 10}
